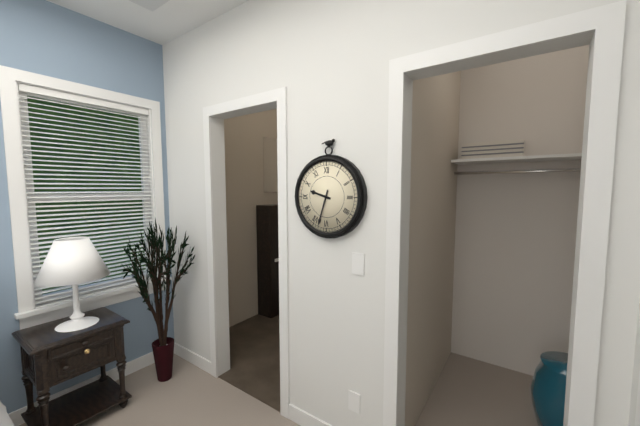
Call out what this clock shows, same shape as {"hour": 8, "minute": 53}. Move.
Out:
{"hour": 9, "minute": 33}
